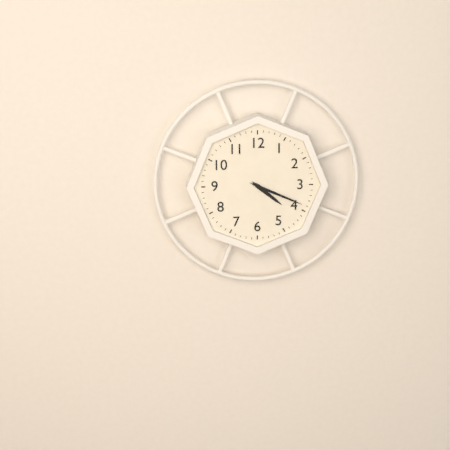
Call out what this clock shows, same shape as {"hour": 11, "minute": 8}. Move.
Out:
{"hour": 4, "minute": 19}
